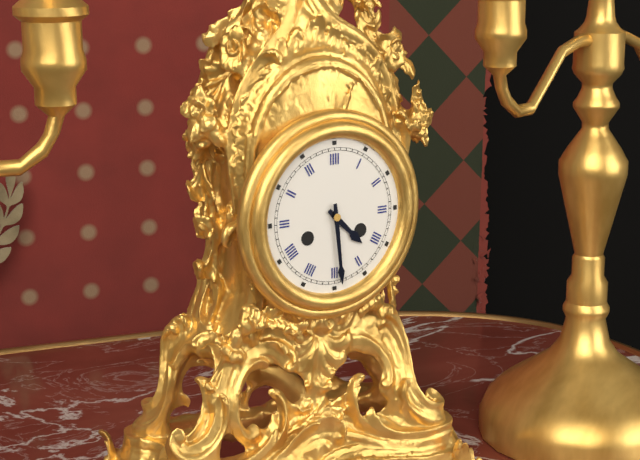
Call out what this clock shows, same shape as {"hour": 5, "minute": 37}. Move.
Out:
{"hour": 4, "minute": 29}
